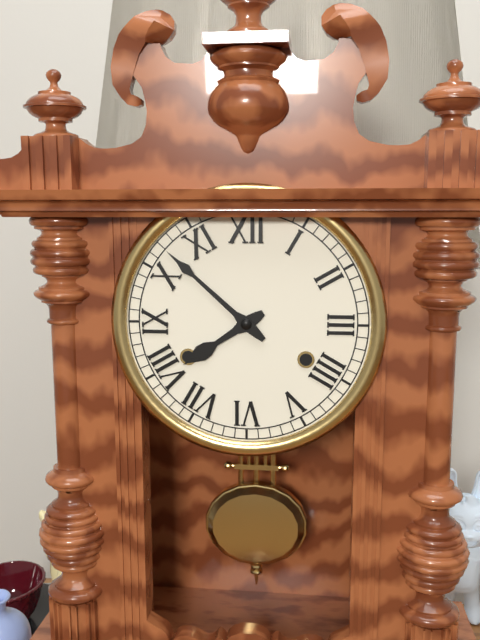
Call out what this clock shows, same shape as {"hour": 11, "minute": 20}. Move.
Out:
{"hour": 7, "minute": 52}
